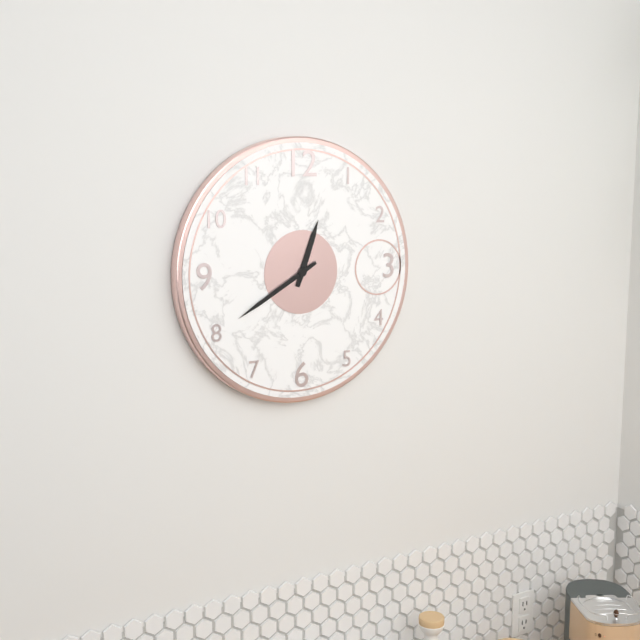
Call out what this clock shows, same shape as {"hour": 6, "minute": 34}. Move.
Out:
{"hour": 12, "minute": 40}
